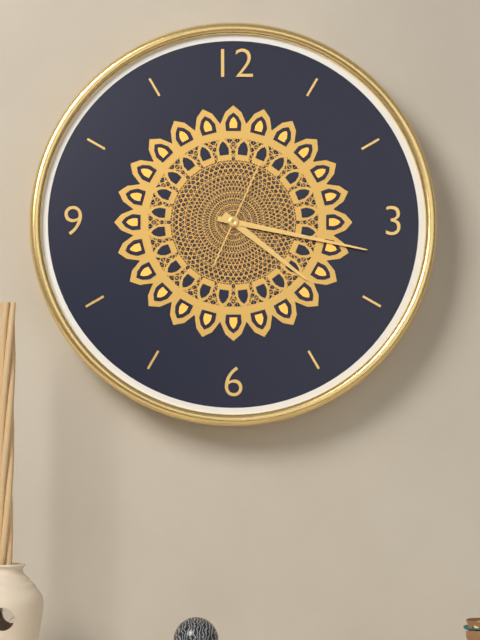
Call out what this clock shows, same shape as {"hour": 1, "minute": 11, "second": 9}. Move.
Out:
{"hour": 4, "minute": 17, "second": 4}
